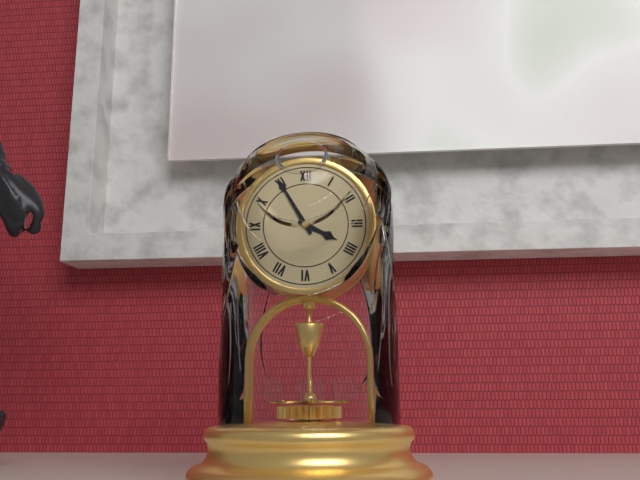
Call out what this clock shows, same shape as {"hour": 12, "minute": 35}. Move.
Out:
{"hour": 3, "minute": 55}
